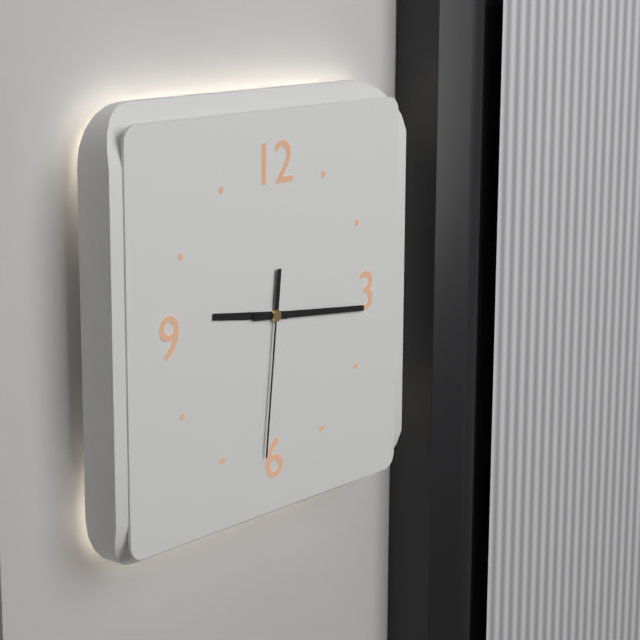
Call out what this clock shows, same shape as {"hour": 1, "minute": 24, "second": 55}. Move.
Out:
{"hour": 9, "minute": 16, "second": 31}
